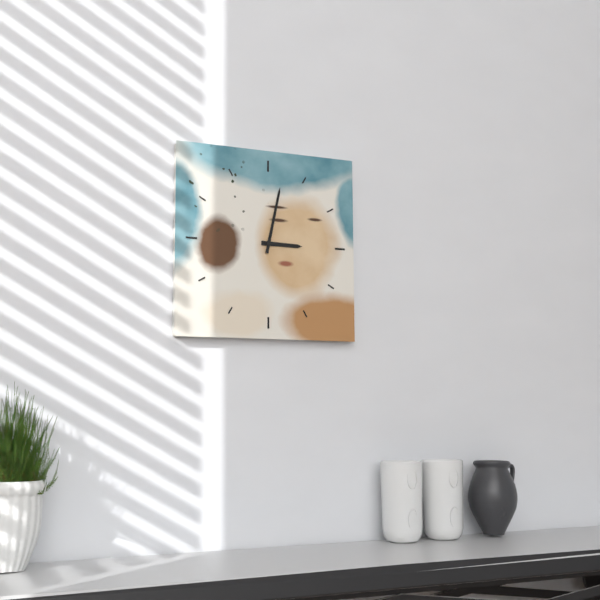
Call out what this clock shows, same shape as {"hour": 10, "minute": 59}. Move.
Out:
{"hour": 3, "minute": 2}
